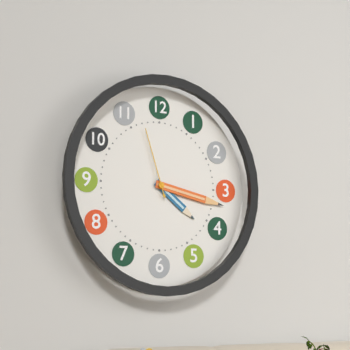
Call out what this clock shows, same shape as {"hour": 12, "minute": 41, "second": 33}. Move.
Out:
{"hour": 4, "minute": 17, "second": 57}
